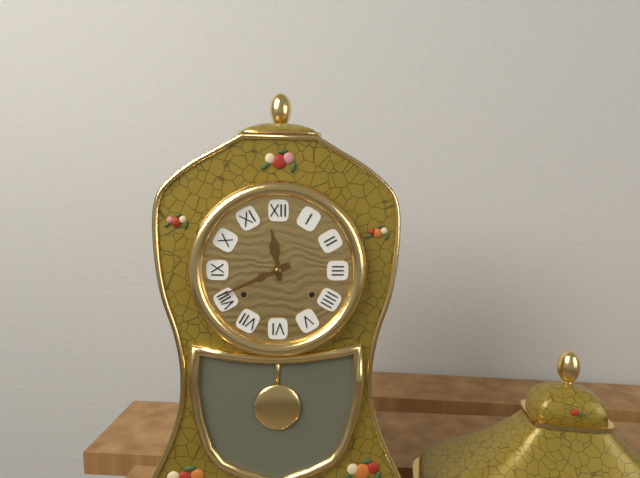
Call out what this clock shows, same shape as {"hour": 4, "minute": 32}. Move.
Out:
{"hour": 11, "minute": 41}
